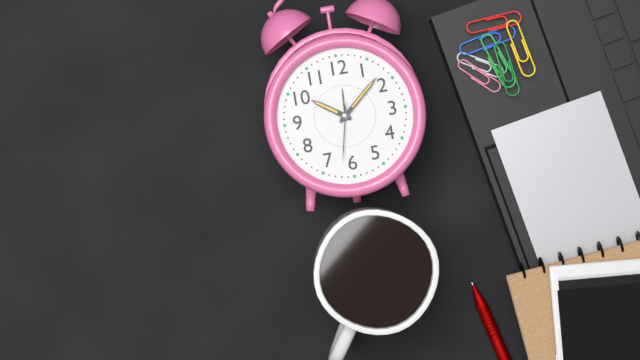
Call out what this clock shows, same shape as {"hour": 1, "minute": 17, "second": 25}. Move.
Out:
{"hour": 10, "minute": 8, "second": 32}
